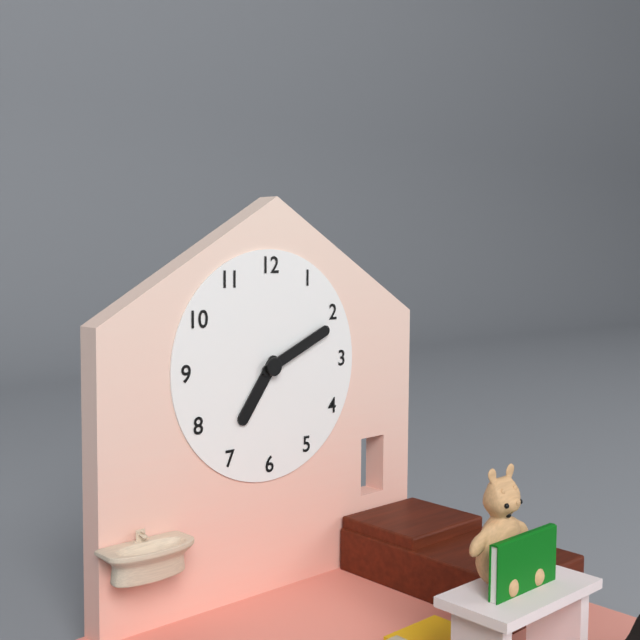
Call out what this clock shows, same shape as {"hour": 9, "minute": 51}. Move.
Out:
{"hour": 7, "minute": 11}
